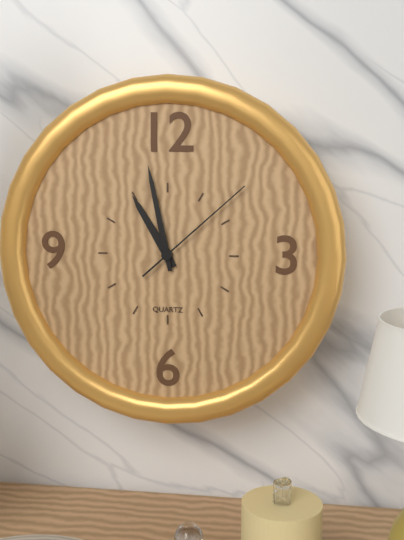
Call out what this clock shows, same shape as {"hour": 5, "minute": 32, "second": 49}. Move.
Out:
{"hour": 10, "minute": 58, "second": 8}
